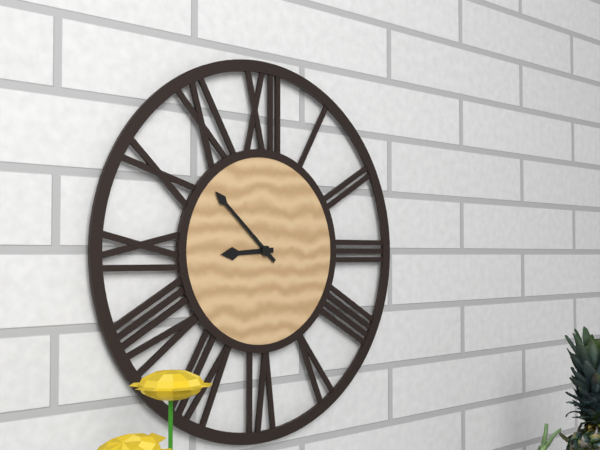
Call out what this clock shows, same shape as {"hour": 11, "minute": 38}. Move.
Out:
{"hour": 8, "minute": 52}
